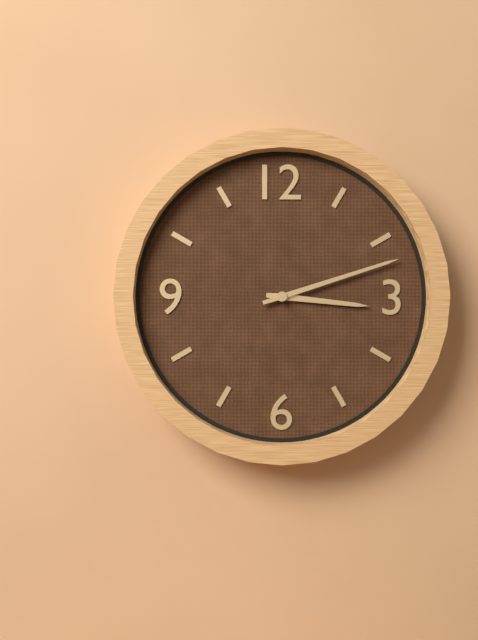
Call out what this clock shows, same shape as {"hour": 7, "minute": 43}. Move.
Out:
{"hour": 3, "minute": 12}
